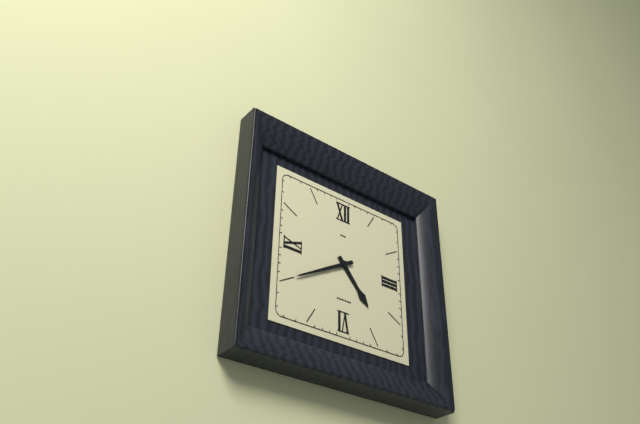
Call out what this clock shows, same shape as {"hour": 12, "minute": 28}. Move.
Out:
{"hour": 4, "minute": 40}
